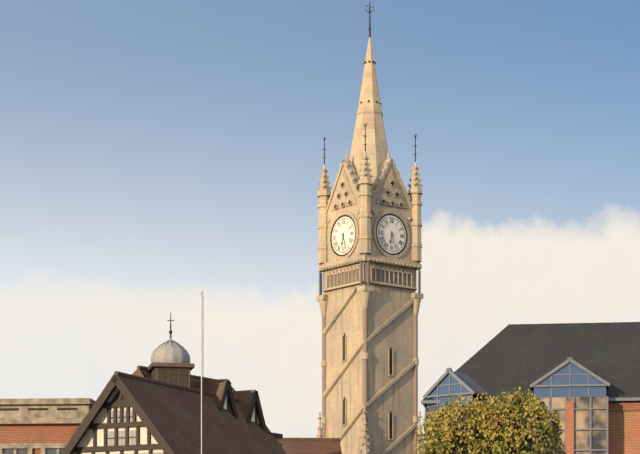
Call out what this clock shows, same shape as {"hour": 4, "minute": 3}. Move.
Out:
{"hour": 6, "minute": 27}
